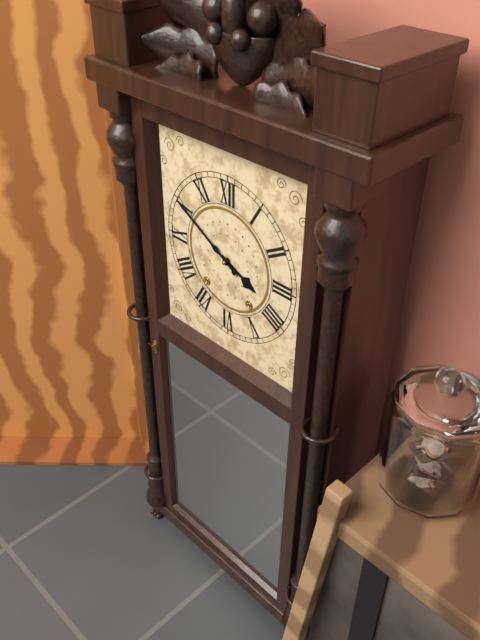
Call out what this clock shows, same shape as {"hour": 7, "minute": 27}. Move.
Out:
{"hour": 3, "minute": 50}
